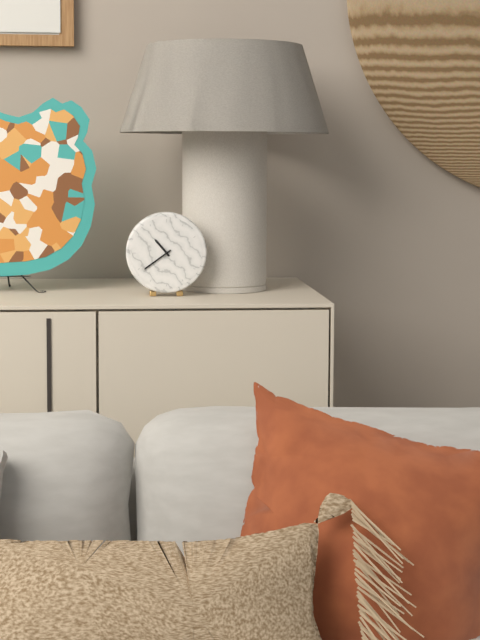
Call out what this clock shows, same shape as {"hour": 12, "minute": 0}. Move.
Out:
{"hour": 10, "minute": 39}
